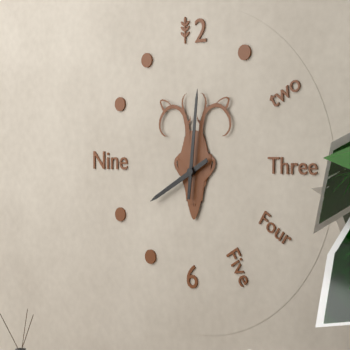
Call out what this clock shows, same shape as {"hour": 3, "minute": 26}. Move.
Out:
{"hour": 8, "minute": 1}
